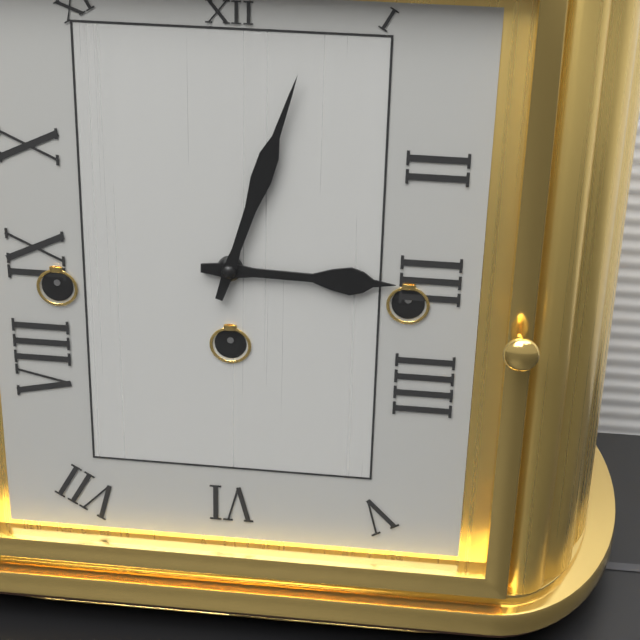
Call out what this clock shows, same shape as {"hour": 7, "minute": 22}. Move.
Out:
{"hour": 3, "minute": 3}
